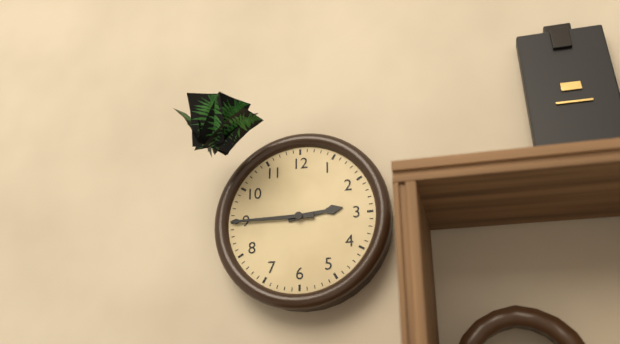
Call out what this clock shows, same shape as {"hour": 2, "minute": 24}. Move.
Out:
{"hour": 2, "minute": 45}
